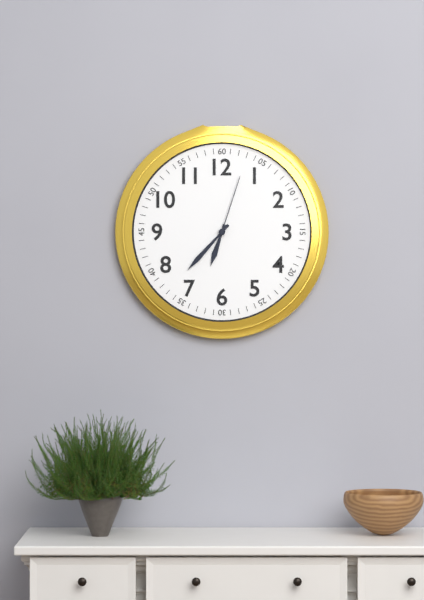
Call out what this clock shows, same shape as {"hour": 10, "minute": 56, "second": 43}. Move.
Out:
{"hour": 6, "minute": 37, "second": 3}
